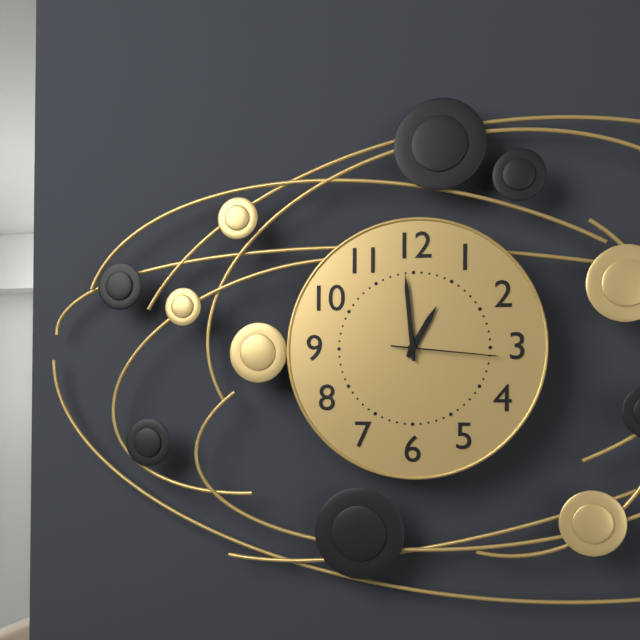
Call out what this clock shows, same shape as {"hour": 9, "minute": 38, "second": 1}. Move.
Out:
{"hour": 12, "minute": 59, "second": 16}
